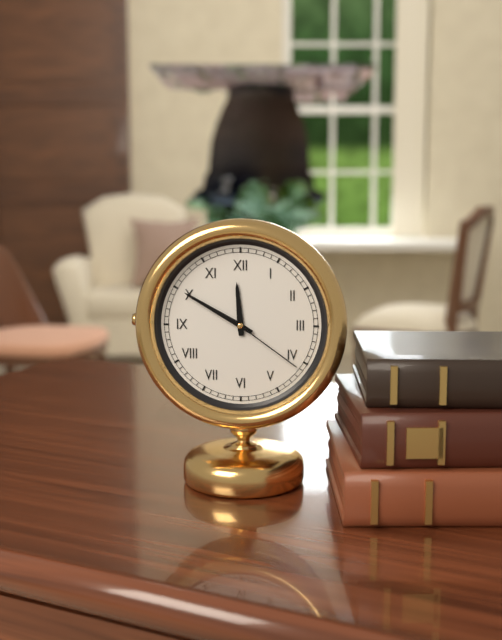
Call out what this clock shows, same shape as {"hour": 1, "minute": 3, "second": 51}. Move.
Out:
{"hour": 11, "minute": 50, "second": 21}
